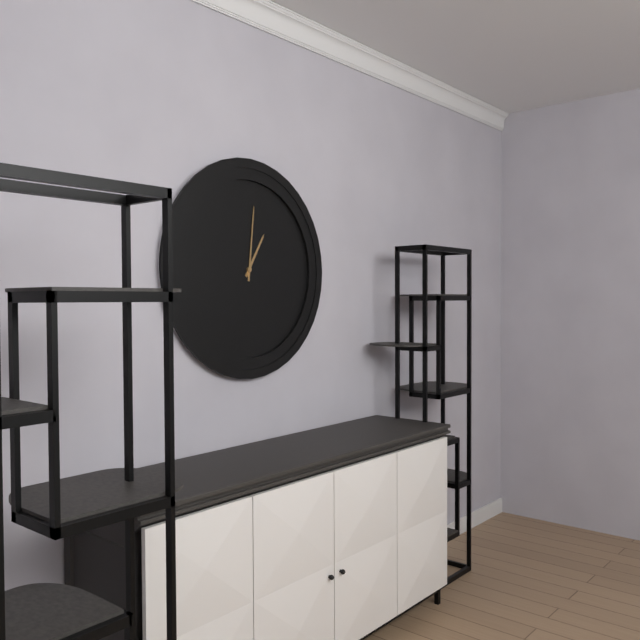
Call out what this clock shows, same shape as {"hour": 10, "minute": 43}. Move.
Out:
{"hour": 1, "minute": 1}
